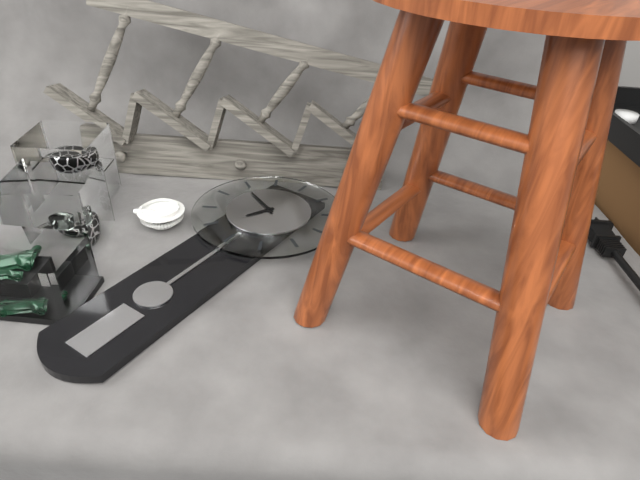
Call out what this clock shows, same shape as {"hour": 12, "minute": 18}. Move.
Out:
{"hour": 6, "minute": 49}
